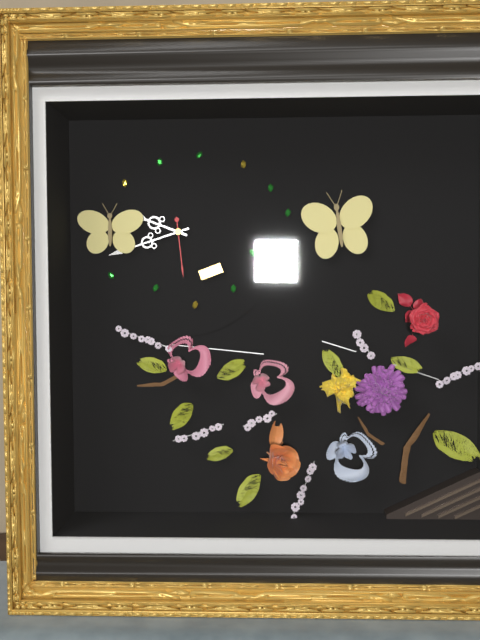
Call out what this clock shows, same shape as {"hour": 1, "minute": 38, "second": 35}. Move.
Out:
{"hour": 9, "minute": 42, "second": 29}
